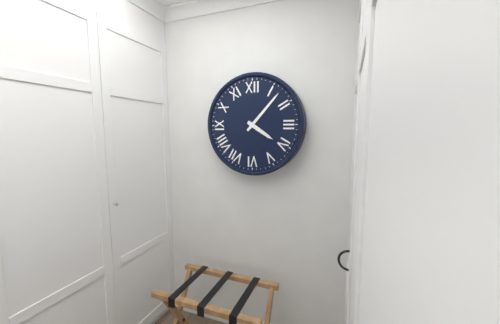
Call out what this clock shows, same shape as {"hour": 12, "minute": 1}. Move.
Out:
{"hour": 4, "minute": 7}
